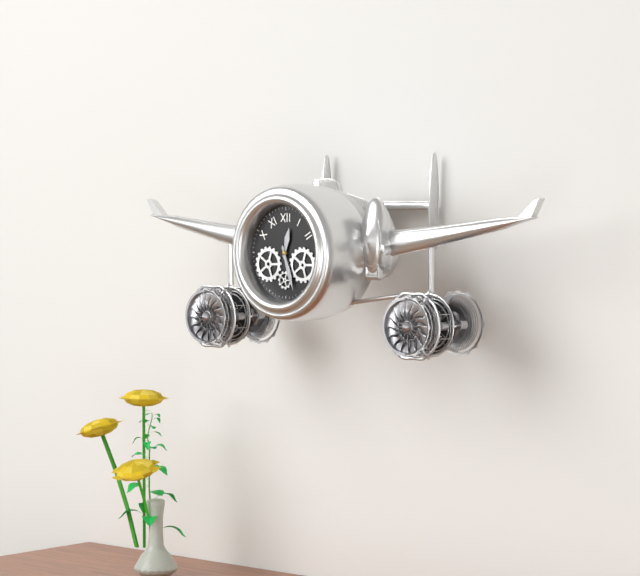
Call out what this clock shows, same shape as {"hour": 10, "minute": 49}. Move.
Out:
{"hour": 12, "minute": 27}
